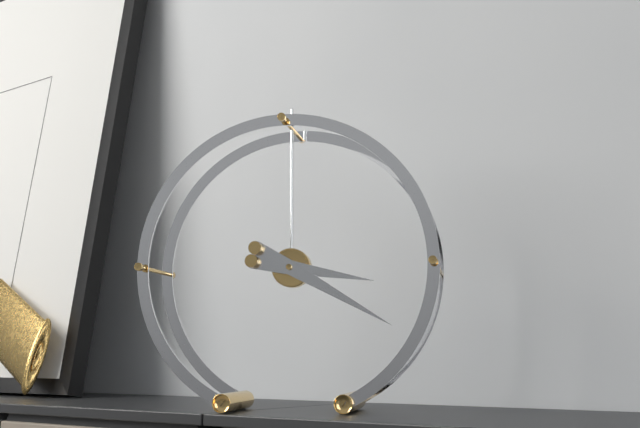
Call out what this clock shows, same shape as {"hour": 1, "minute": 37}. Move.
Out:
{"hour": 3, "minute": 20}
